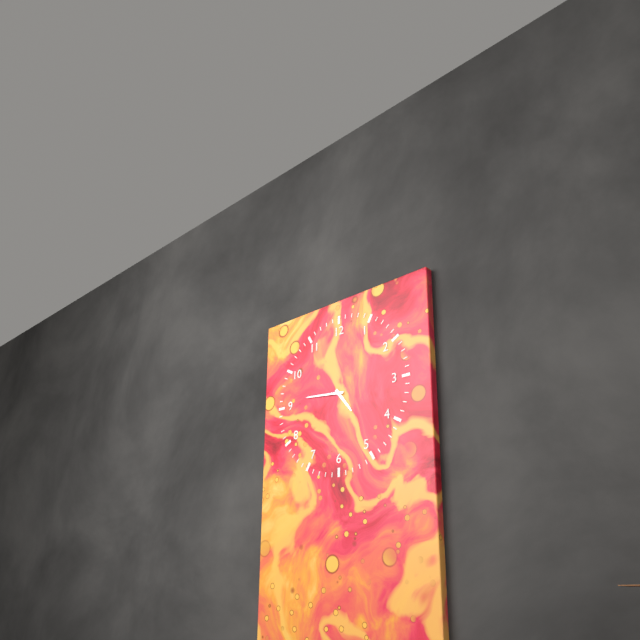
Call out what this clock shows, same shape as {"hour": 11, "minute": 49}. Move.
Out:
{"hour": 4, "minute": 46}
